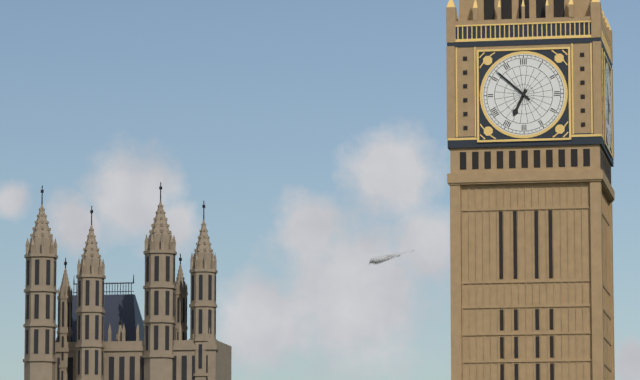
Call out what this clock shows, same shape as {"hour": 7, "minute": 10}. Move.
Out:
{"hour": 6, "minute": 52}
